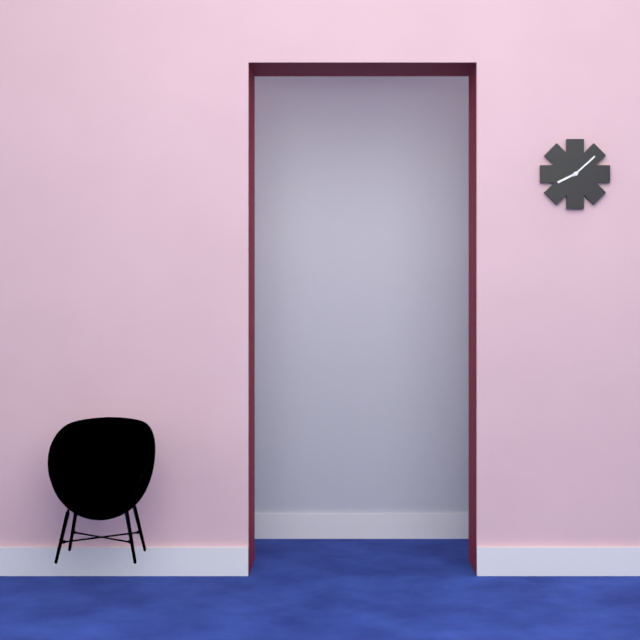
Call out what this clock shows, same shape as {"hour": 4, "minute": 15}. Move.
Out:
{"hour": 8, "minute": 8}
